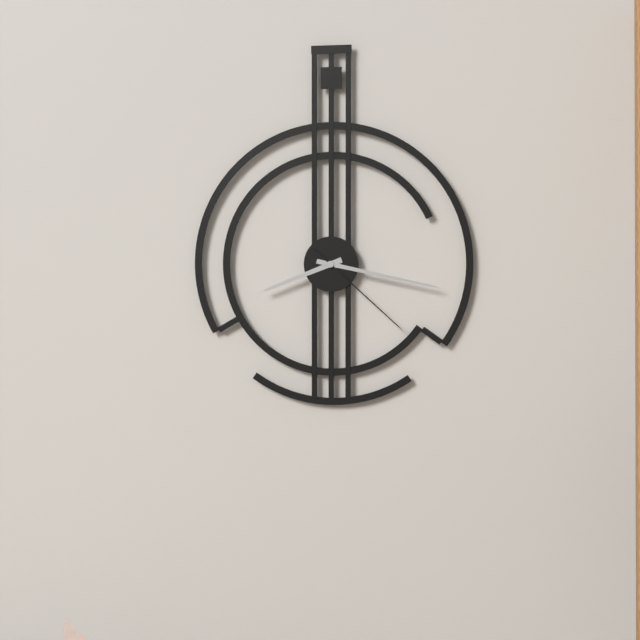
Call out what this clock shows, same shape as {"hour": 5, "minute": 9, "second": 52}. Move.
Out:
{"hour": 8, "minute": 17, "second": 22}
